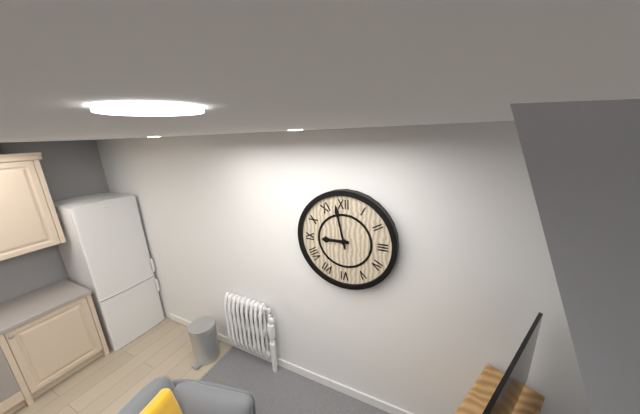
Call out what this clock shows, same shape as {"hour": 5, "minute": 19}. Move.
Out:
{"hour": 8, "minute": 58}
